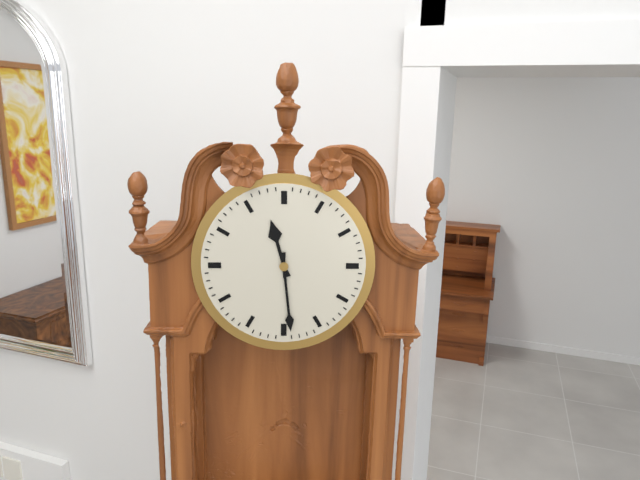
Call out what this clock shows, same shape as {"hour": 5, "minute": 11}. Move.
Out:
{"hour": 11, "minute": 29}
